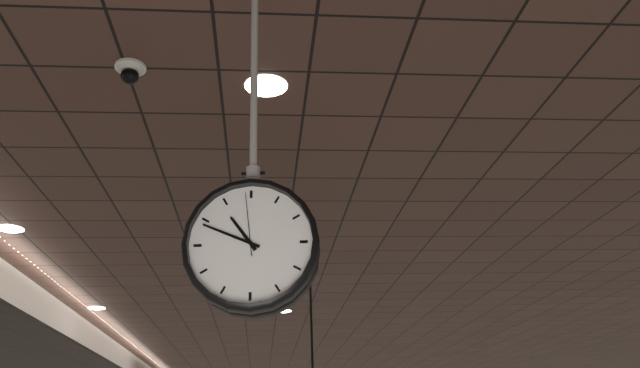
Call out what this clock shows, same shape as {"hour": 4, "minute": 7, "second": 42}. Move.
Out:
{"hour": 10, "minute": 49, "second": 59}
